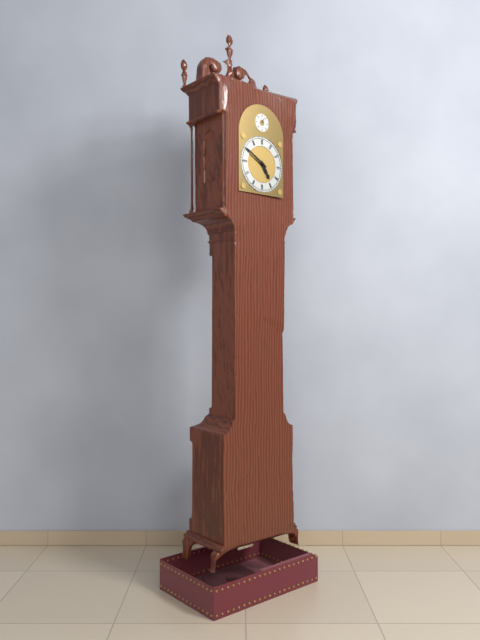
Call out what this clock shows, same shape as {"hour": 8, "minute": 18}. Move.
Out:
{"hour": 4, "minute": 50}
